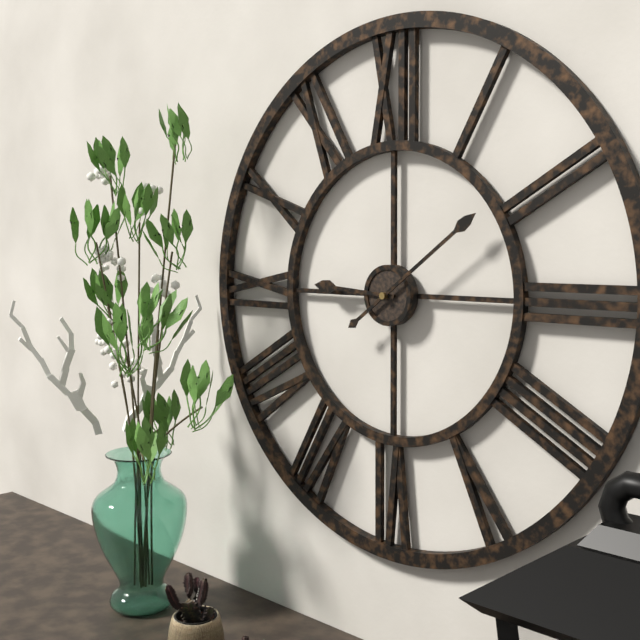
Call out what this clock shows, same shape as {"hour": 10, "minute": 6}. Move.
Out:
{"hour": 9, "minute": 9}
